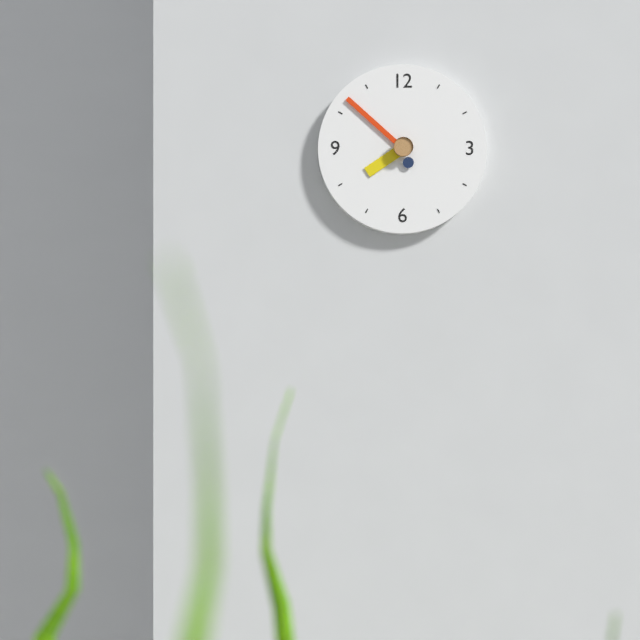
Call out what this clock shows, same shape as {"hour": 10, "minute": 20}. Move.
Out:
{"hour": 7, "minute": 52}
